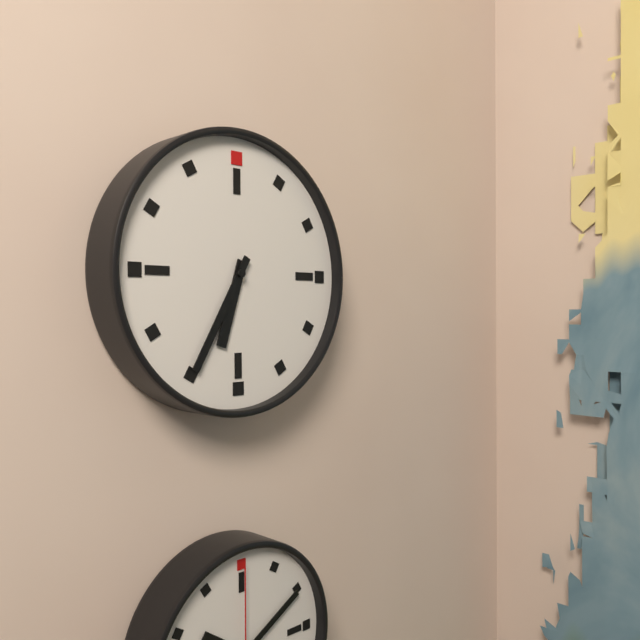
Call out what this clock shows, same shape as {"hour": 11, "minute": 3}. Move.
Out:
{"hour": 6, "minute": 35}
